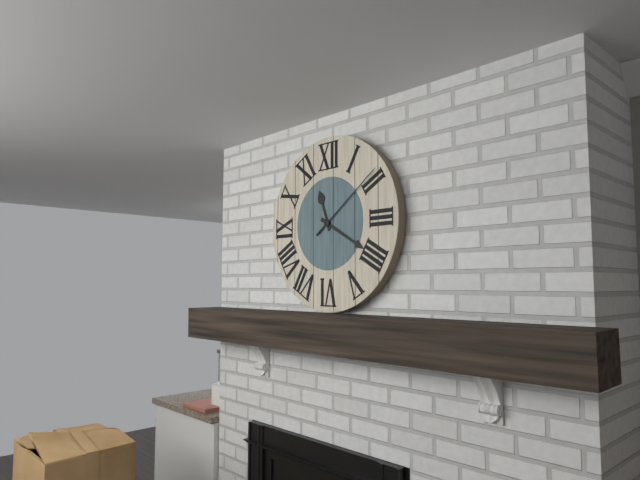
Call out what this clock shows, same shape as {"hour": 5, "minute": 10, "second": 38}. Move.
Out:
{"hour": 11, "minute": 20, "second": 9}
